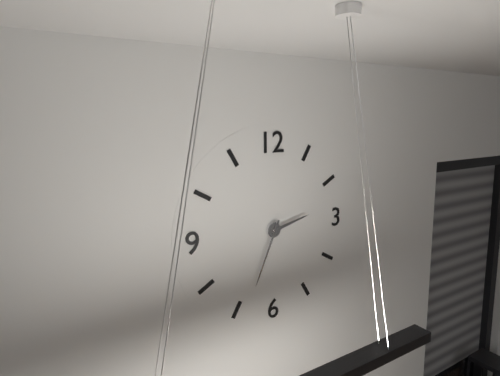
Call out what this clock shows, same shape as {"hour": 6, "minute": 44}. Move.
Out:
{"hour": 2, "minute": 34}
